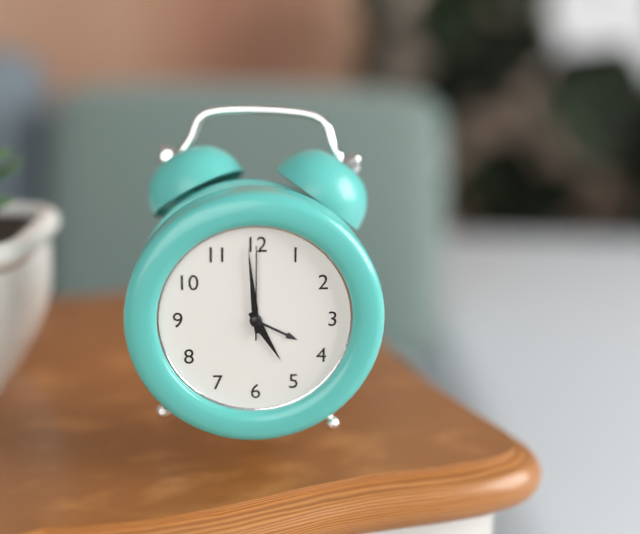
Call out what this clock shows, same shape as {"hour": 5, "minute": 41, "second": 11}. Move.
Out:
{"hour": 4, "minute": 59, "second": 0}
